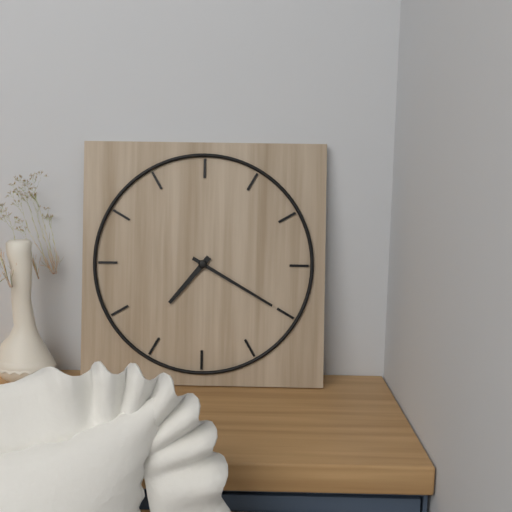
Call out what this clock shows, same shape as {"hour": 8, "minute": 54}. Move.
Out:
{"hour": 7, "minute": 20}
